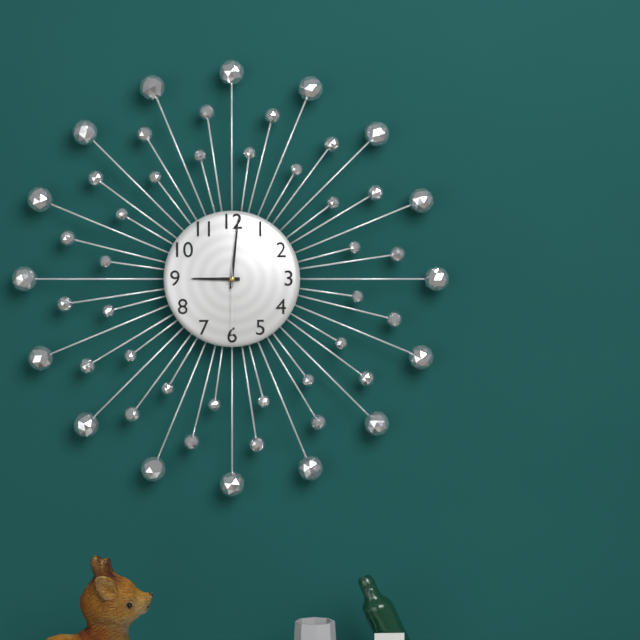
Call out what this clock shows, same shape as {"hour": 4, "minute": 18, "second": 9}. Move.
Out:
{"hour": 9, "minute": 1, "second": 30}
